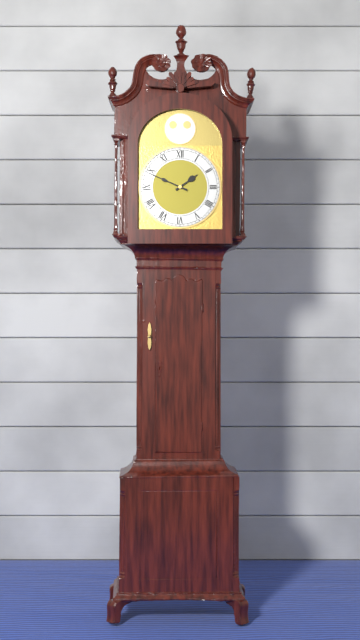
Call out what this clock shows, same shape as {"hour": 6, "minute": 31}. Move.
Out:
{"hour": 1, "minute": 49}
